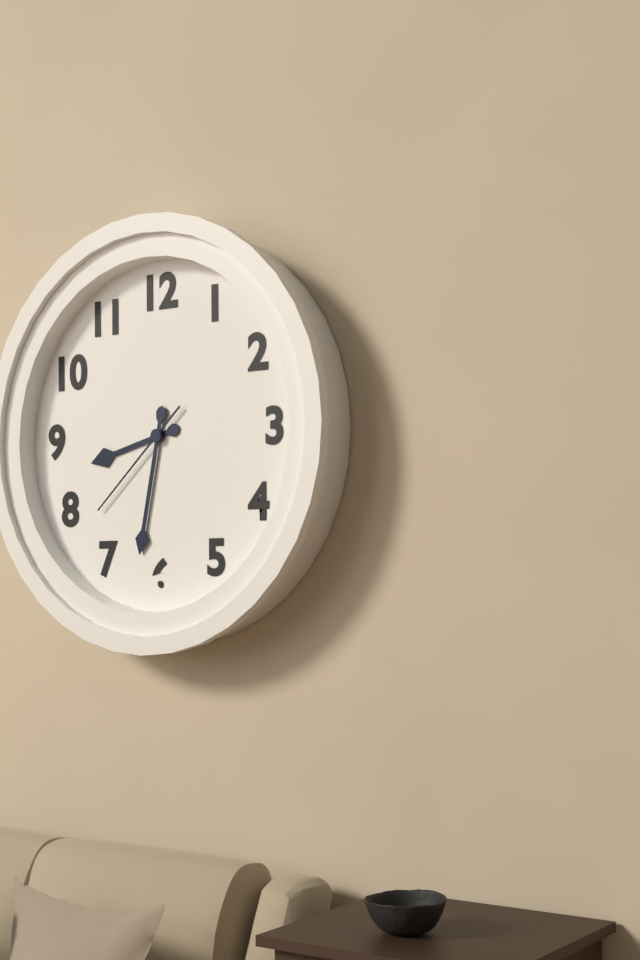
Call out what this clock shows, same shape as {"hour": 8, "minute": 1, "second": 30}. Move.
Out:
{"hour": 8, "minute": 32, "second": 38}
